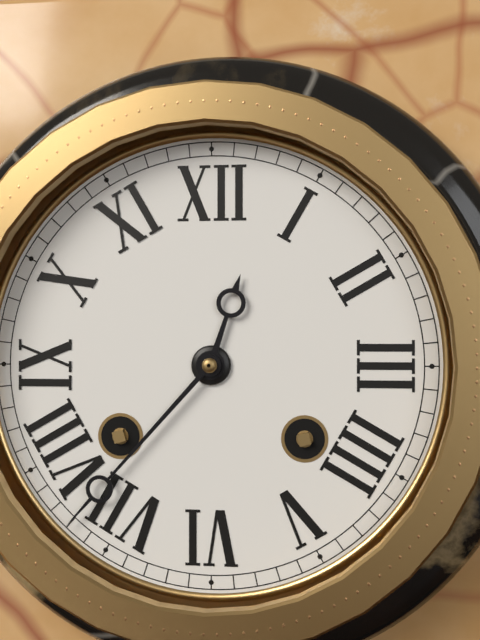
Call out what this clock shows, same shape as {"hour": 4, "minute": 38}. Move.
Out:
{"hour": 12, "minute": 37}
